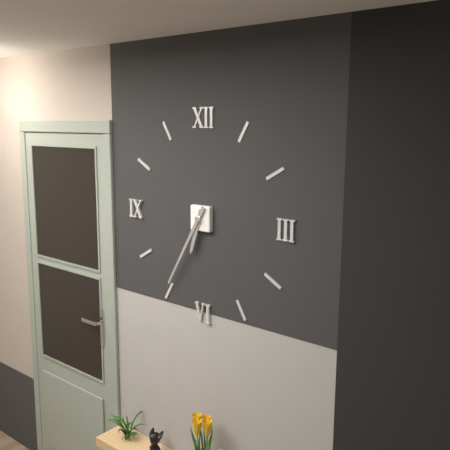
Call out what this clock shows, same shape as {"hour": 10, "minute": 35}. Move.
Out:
{"hour": 6, "minute": 35}
